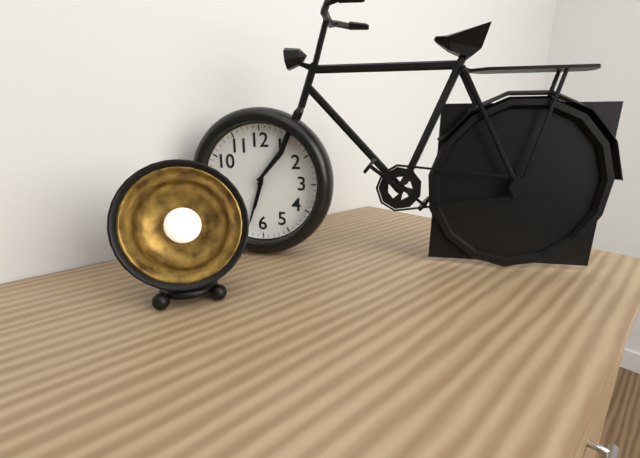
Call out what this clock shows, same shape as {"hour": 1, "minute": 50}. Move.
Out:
{"hour": 6, "minute": 33}
